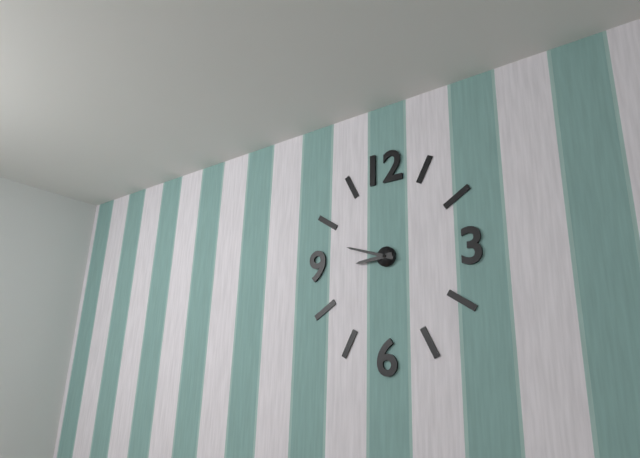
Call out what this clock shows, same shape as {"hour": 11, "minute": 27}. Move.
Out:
{"hour": 8, "minute": 48}
